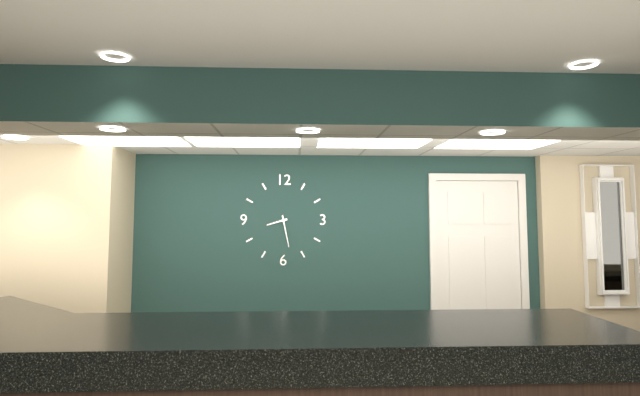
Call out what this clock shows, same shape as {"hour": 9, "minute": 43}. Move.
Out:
{"hour": 8, "minute": 28}
